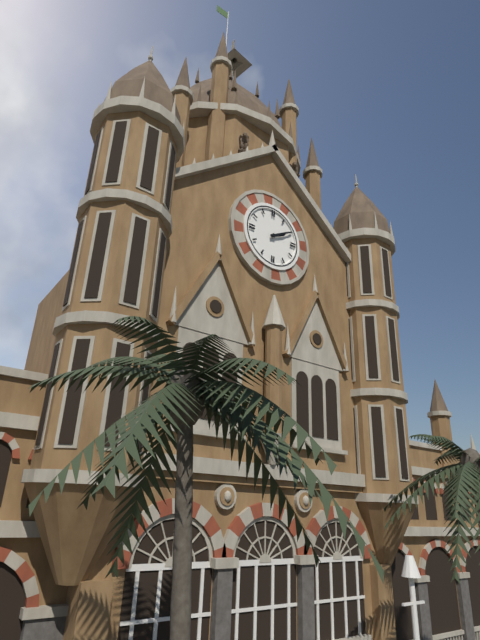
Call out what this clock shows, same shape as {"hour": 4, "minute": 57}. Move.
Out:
{"hour": 2, "minute": 10}
